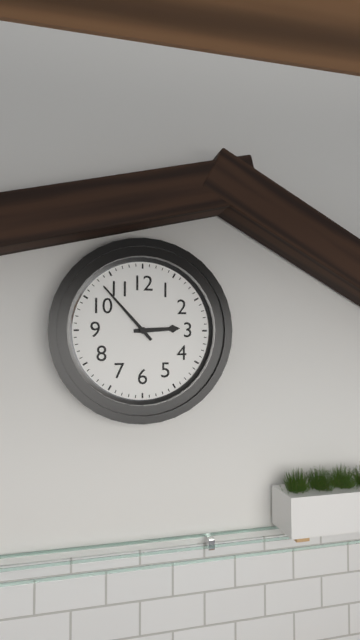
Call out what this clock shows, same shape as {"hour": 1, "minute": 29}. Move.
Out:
{"hour": 2, "minute": 53}
